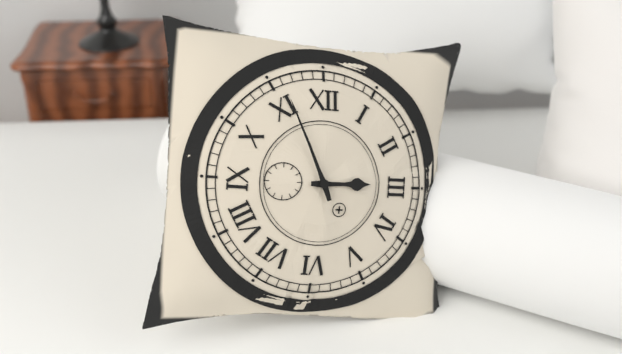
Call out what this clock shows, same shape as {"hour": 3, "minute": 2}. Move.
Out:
{"hour": 2, "minute": 56}
